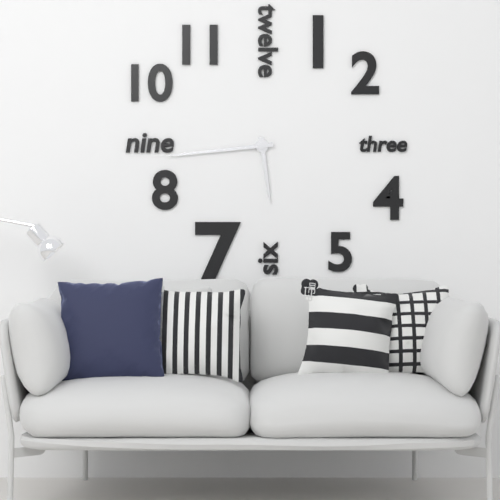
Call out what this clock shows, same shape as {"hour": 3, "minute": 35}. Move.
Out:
{"hour": 5, "minute": 44}
